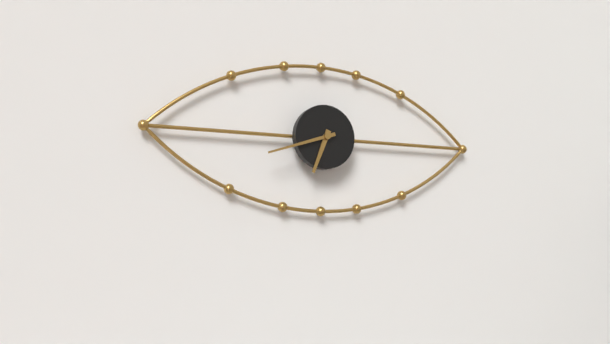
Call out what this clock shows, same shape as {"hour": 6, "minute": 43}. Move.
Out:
{"hour": 6, "minute": 42}
